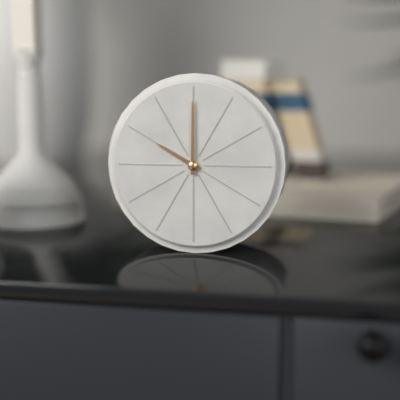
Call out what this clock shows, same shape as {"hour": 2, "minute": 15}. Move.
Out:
{"hour": 10, "minute": 0}
